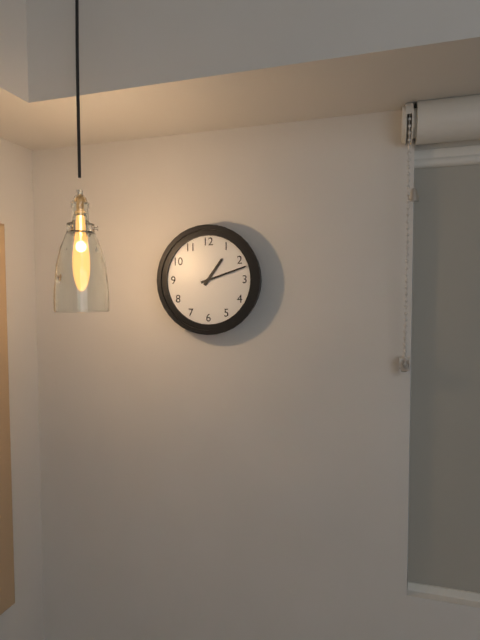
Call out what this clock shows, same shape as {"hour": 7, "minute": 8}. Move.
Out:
{"hour": 1, "minute": 12}
